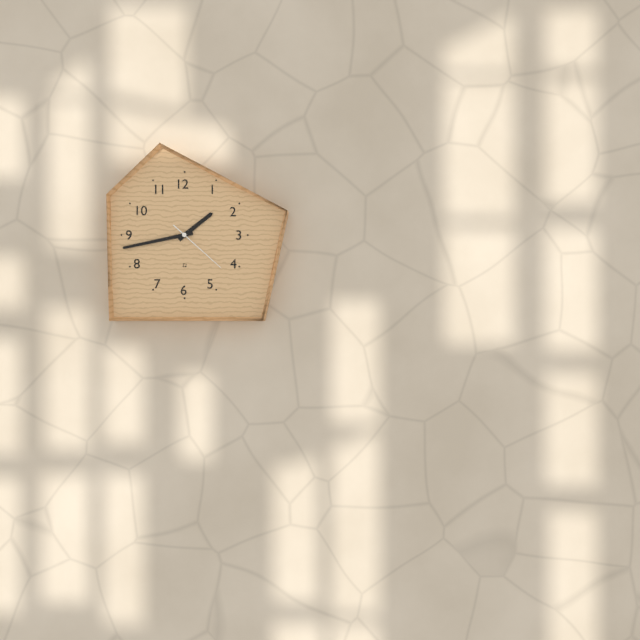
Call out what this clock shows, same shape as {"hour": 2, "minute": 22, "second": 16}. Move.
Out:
{"hour": 1, "minute": 43, "second": 22}
